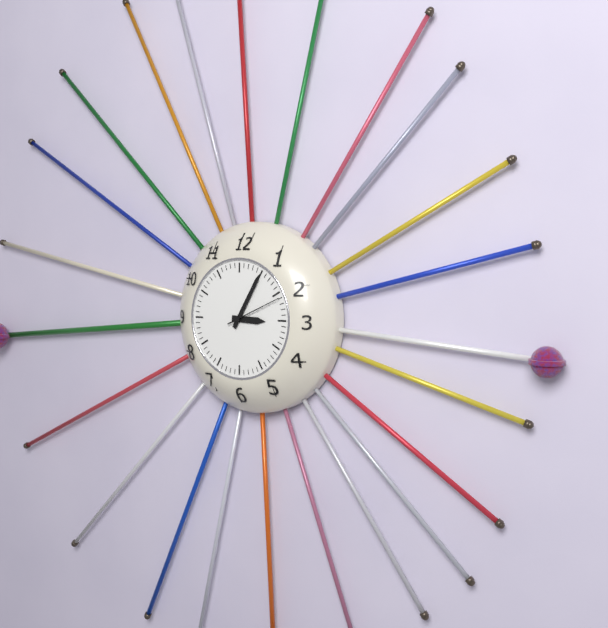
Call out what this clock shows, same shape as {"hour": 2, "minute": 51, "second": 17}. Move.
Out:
{"hour": 3, "minute": 5, "second": 11}
